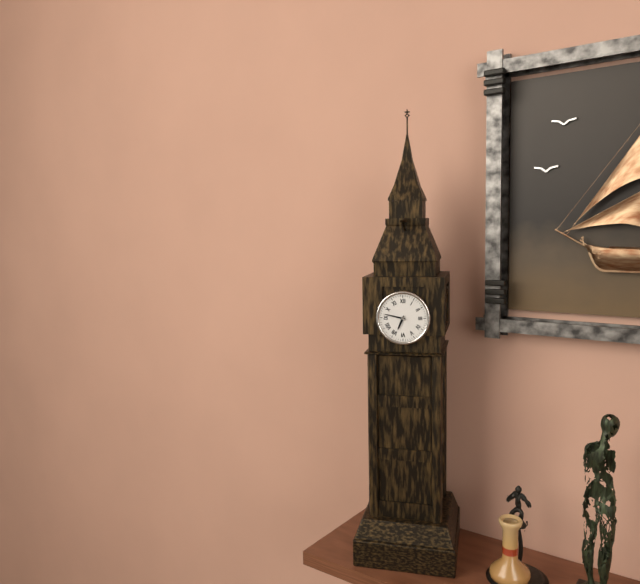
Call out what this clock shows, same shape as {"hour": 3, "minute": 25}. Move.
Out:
{"hour": 6, "minute": 47}
